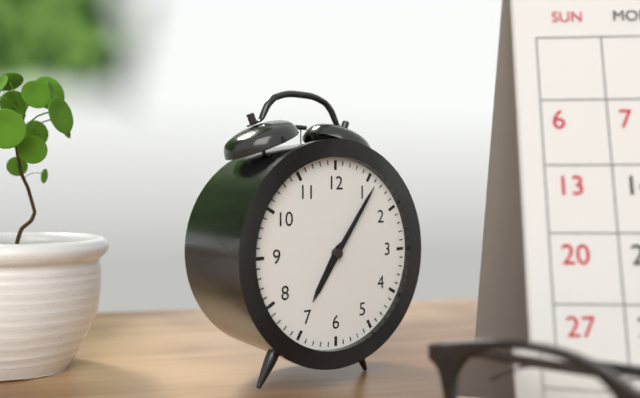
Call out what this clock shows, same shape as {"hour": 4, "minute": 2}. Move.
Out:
{"hour": 7, "minute": 6}
